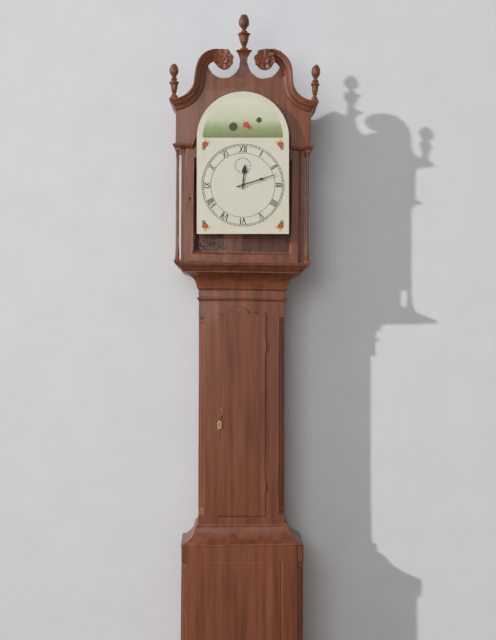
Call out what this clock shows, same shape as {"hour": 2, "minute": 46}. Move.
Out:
{"hour": 12, "minute": 12}
